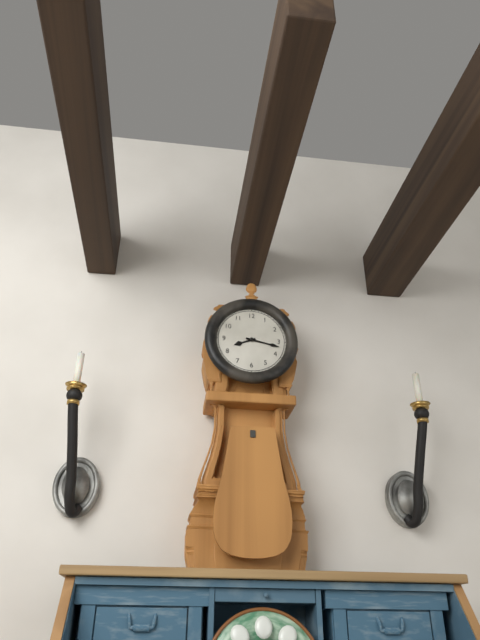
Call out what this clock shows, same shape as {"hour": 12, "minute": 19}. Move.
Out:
{"hour": 8, "minute": 17}
